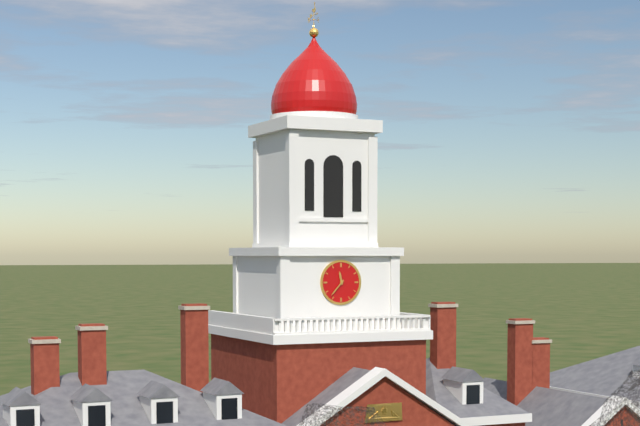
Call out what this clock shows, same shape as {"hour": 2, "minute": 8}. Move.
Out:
{"hour": 11, "minute": 37}
